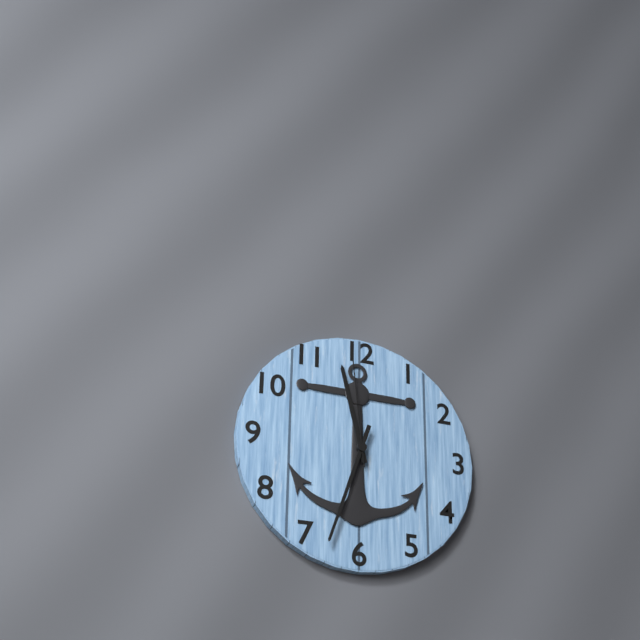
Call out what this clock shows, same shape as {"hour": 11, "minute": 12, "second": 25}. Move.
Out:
{"hour": 11, "minute": 33, "second": 59}
